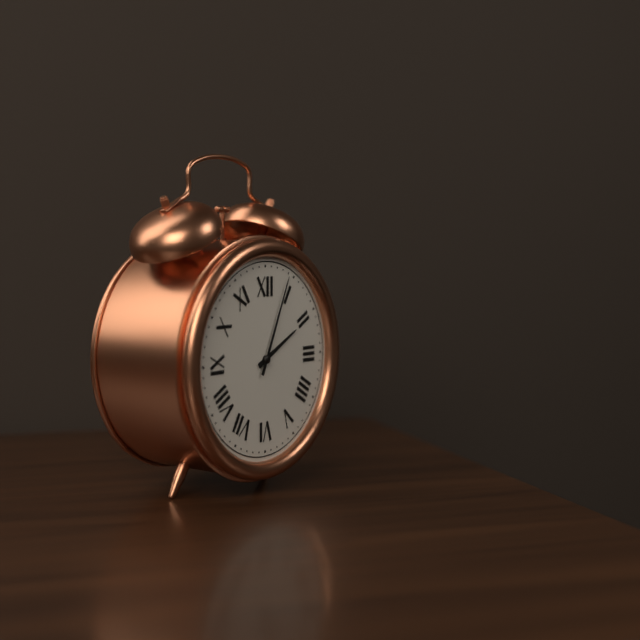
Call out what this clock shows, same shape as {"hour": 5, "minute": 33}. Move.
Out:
{"hour": 2, "minute": 4}
